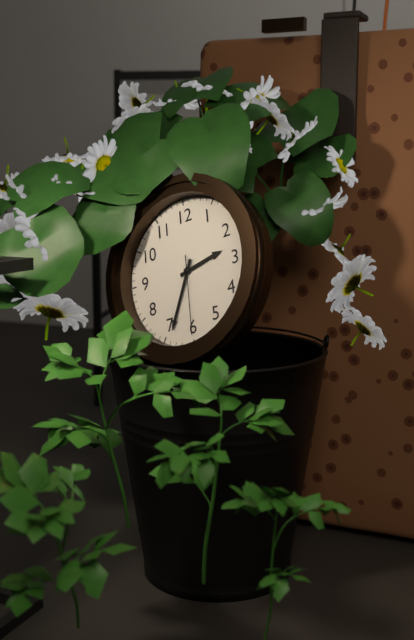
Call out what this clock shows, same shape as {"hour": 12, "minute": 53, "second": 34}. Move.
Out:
{"hour": 2, "minute": 34, "second": 30}
